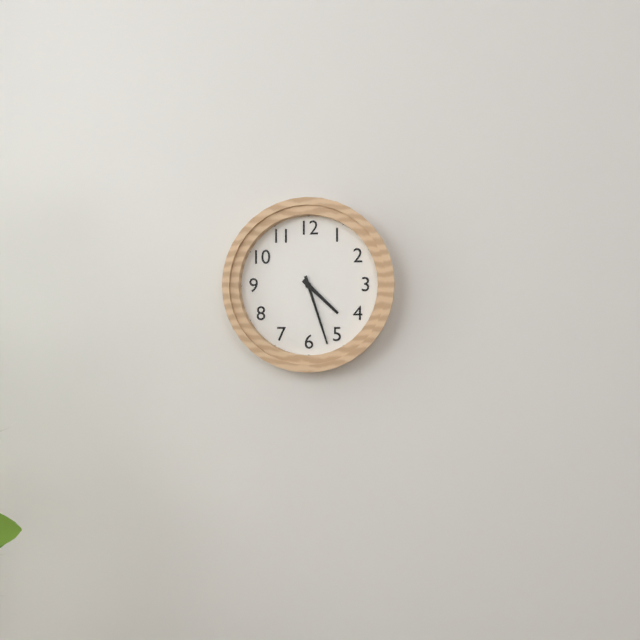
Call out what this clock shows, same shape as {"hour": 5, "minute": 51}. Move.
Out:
{"hour": 4, "minute": 27}
